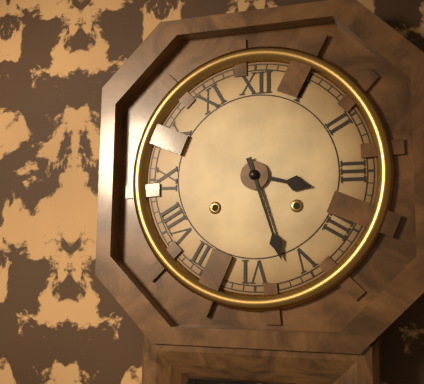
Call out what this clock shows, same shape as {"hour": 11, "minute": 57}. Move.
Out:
{"hour": 3, "minute": 27}
